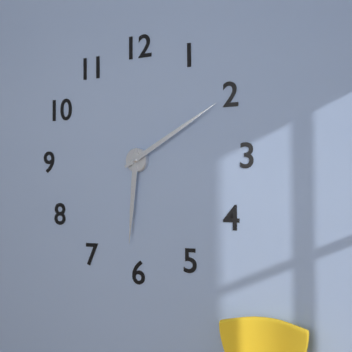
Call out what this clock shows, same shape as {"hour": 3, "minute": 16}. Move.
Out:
{"hour": 6, "minute": 10}
